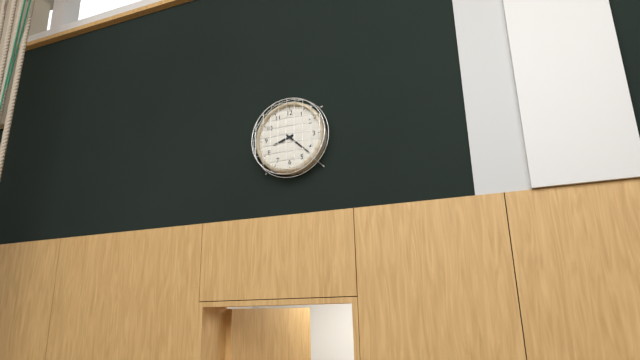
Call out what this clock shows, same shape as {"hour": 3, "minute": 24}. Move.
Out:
{"hour": 8, "minute": 22}
